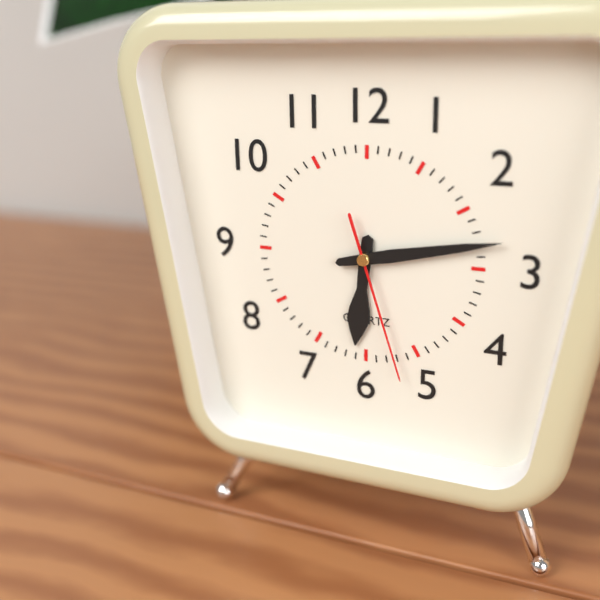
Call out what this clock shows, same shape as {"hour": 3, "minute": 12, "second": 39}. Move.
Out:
{"hour": 6, "minute": 13, "second": 27}
